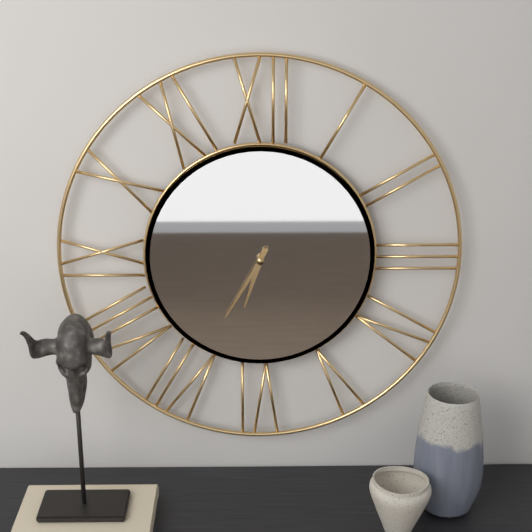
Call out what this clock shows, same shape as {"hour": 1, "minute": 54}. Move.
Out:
{"hour": 6, "minute": 35}
